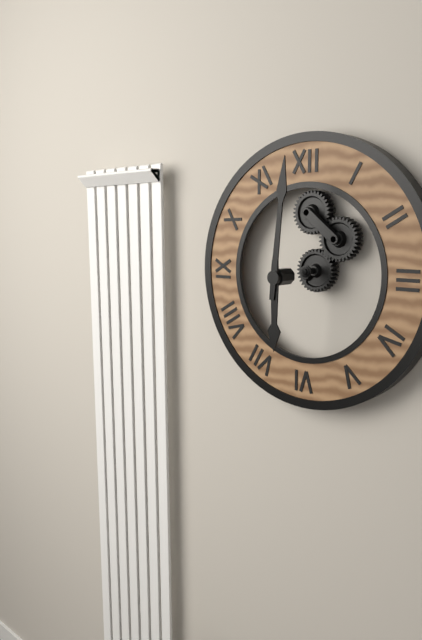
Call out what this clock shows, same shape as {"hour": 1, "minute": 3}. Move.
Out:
{"hour": 6, "minute": 1}
